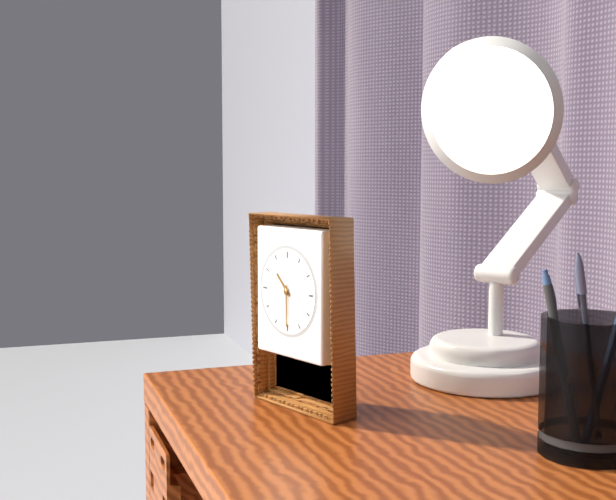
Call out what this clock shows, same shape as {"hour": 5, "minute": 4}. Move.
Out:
{"hour": 10, "minute": 30}
